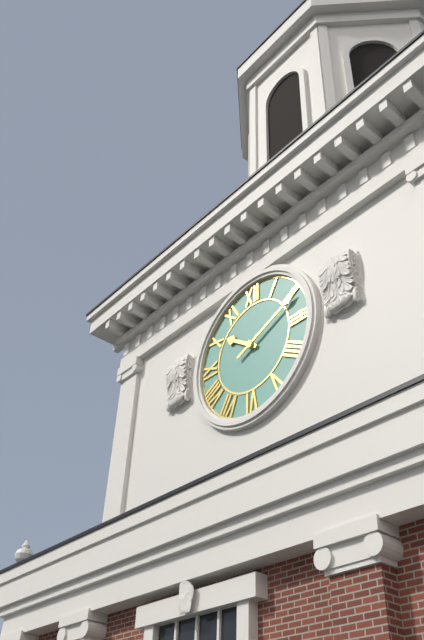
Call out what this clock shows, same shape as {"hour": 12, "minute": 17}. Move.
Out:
{"hour": 10, "minute": 11}
